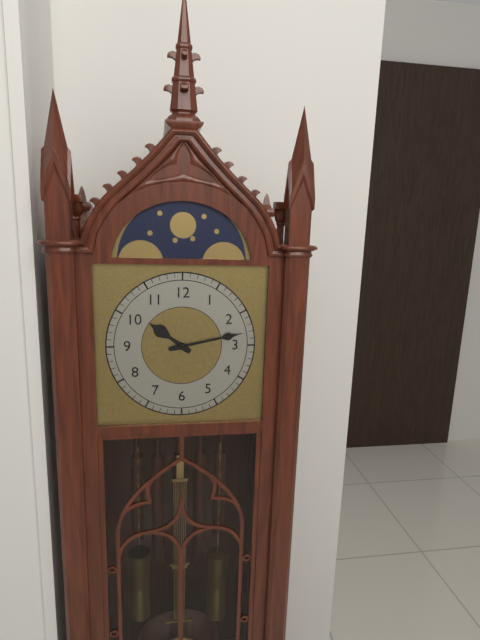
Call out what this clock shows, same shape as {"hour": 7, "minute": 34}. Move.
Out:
{"hour": 10, "minute": 13}
